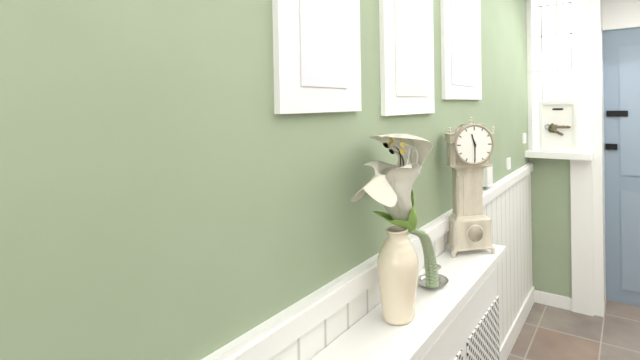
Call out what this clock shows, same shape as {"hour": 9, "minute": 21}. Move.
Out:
{"hour": 11, "minute": 30}
